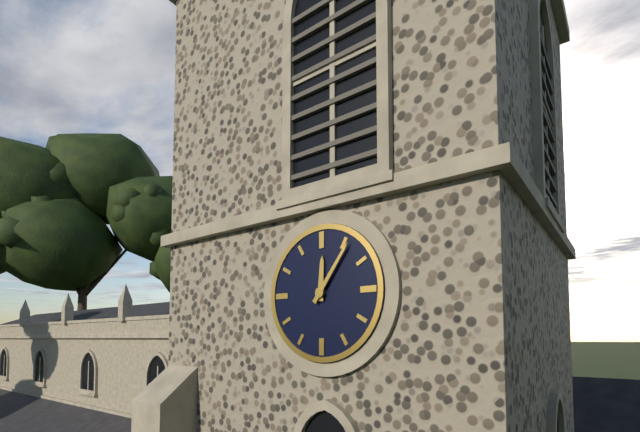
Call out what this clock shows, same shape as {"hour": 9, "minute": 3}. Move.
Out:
{"hour": 12, "minute": 6}
